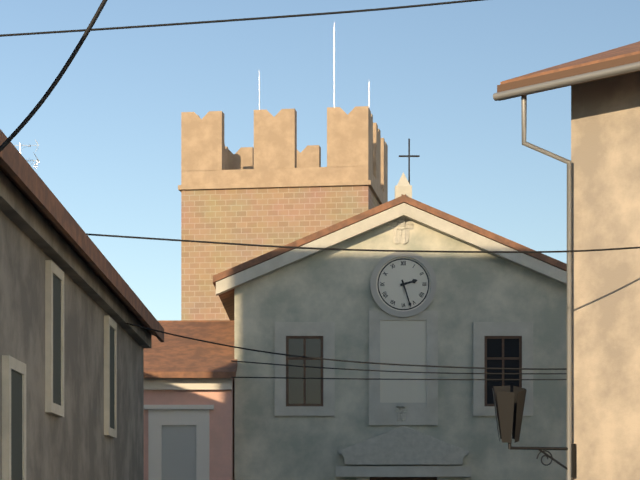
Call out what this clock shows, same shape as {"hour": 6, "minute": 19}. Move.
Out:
{"hour": 2, "minute": 27}
